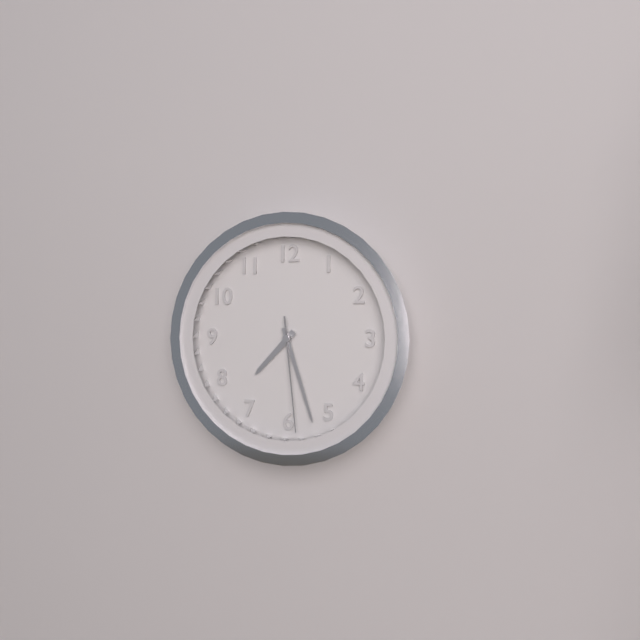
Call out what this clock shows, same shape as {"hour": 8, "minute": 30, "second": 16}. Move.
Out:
{"hour": 7, "minute": 27, "second": 29}
